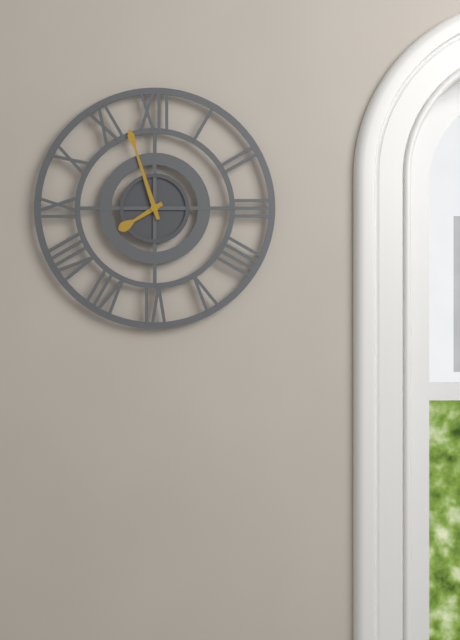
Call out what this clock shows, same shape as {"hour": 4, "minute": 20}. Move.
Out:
{"hour": 7, "minute": 57}
